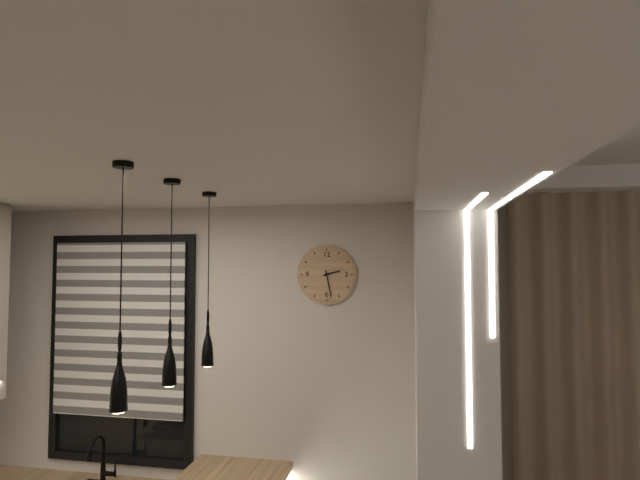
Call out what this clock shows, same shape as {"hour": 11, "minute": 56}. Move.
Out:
{"hour": 2, "minute": 28}
